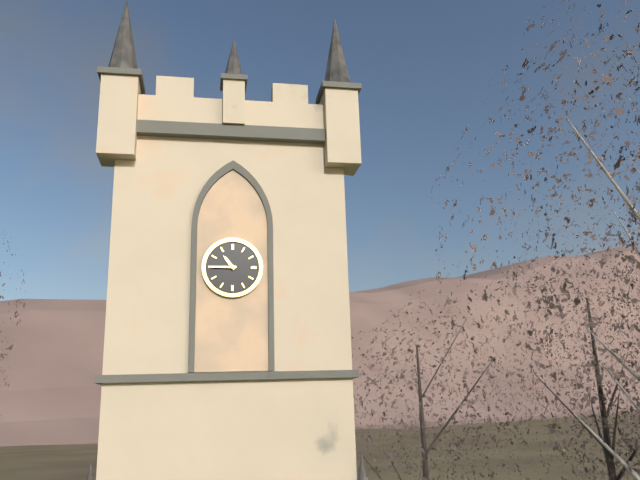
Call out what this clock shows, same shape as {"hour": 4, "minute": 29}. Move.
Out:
{"hour": 10, "minute": 45}
